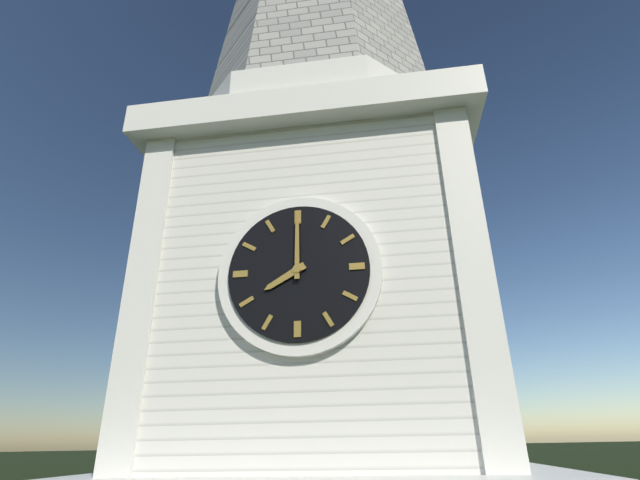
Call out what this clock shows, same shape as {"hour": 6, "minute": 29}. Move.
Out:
{"hour": 8, "minute": 0}
